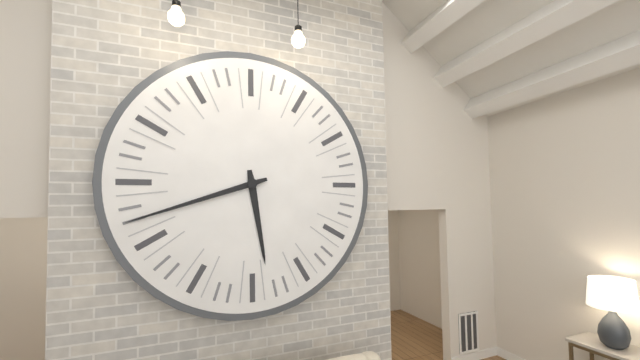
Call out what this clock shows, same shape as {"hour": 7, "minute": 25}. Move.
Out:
{"hour": 5, "minute": 42}
